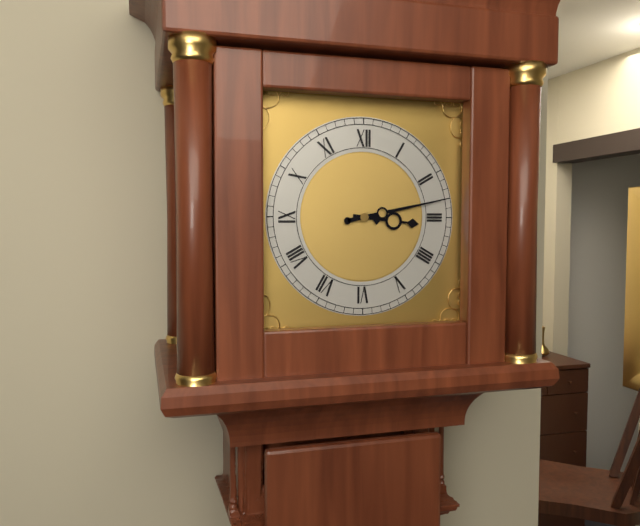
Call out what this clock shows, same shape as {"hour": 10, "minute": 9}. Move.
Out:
{"hour": 3, "minute": 13}
